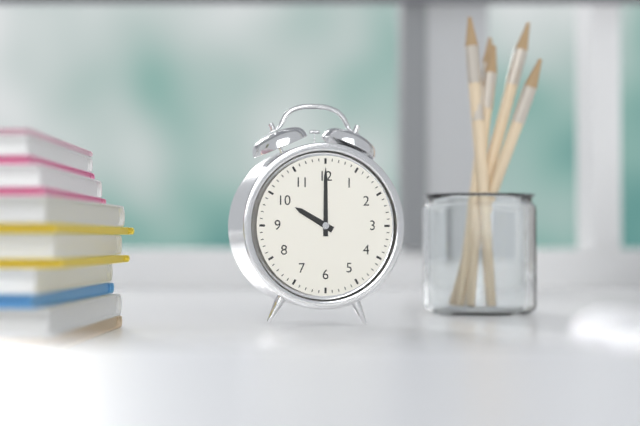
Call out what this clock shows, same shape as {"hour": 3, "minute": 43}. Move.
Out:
{"hour": 10, "minute": 0}
